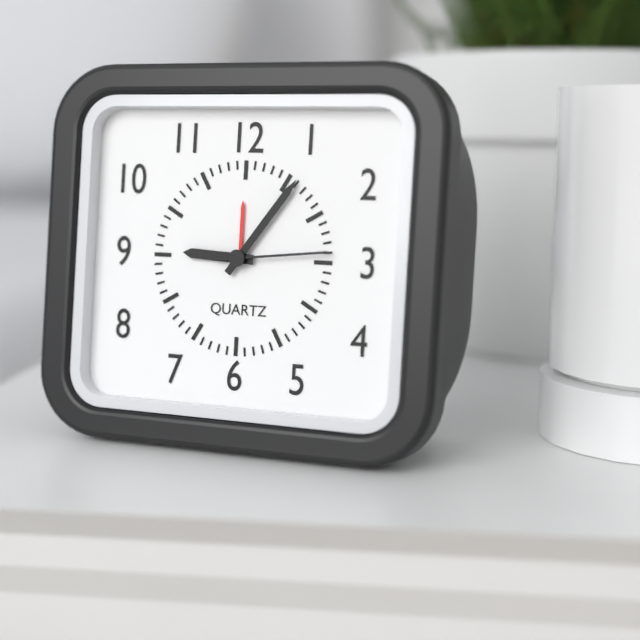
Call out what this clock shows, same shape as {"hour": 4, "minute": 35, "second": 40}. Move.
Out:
{"hour": 9, "minute": 6, "second": 14}
